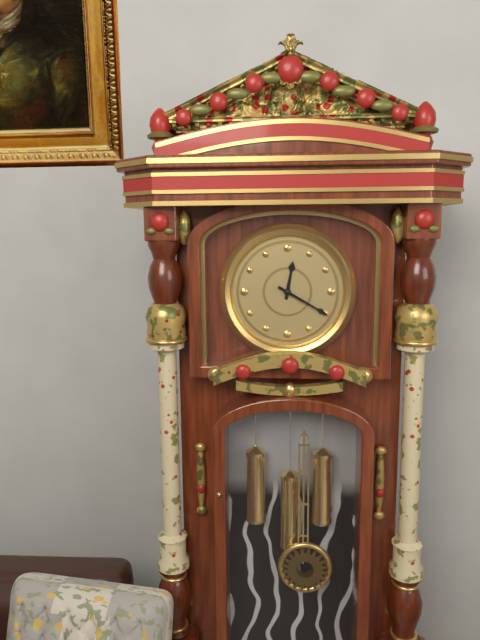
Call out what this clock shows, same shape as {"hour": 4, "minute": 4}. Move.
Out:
{"hour": 12, "minute": 20}
